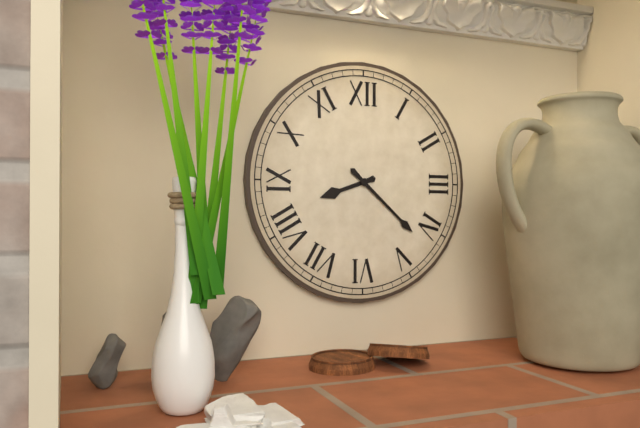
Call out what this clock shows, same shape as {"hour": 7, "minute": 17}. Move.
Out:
{"hour": 8, "minute": 22}
